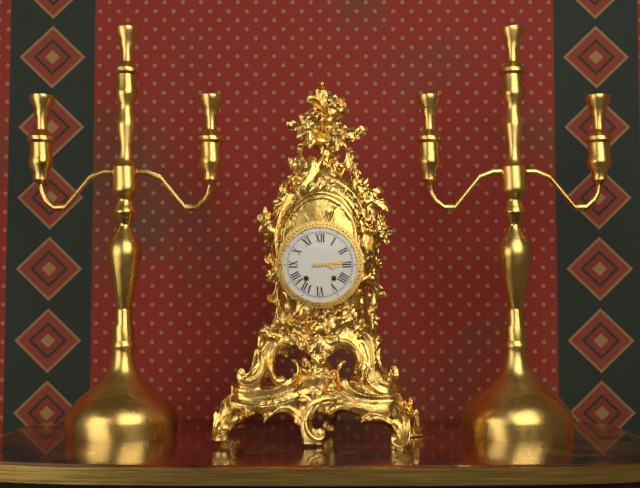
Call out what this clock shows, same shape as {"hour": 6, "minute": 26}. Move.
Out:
{"hour": 3, "minute": 14}
